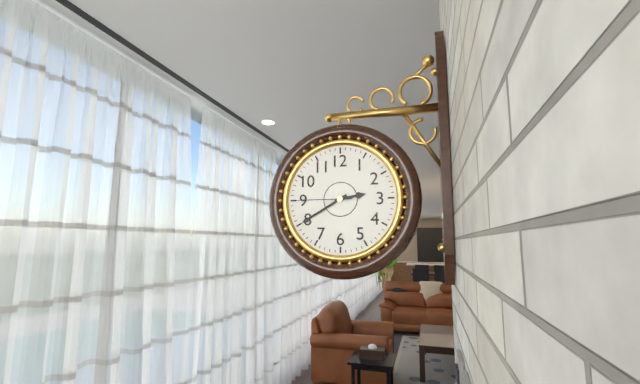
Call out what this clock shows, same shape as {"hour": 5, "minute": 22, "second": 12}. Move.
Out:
{"hour": 2, "minute": 40, "second": 45}
